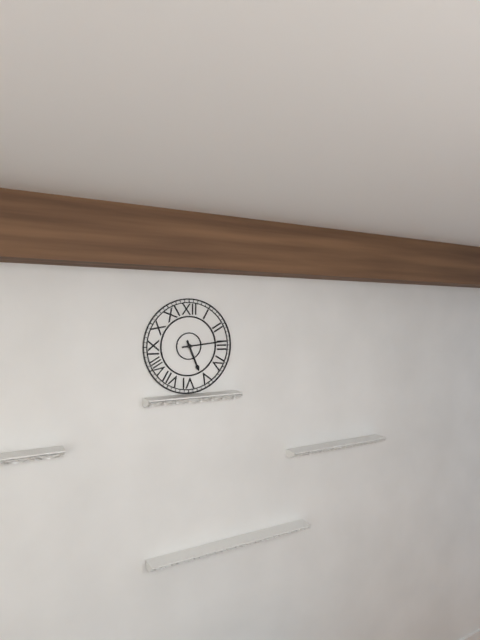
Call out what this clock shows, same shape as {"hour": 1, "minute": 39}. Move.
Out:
{"hour": 5, "minute": 14}
